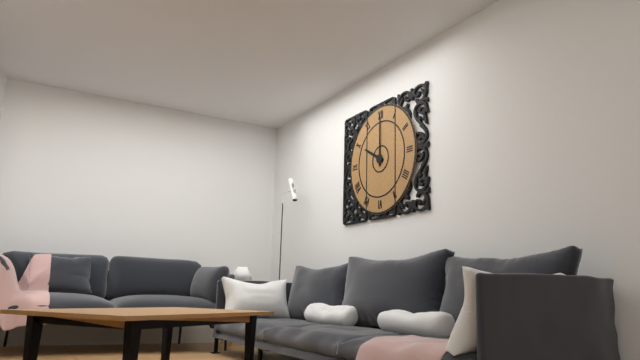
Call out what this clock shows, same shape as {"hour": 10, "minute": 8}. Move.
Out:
{"hour": 10, "minute": 0}
